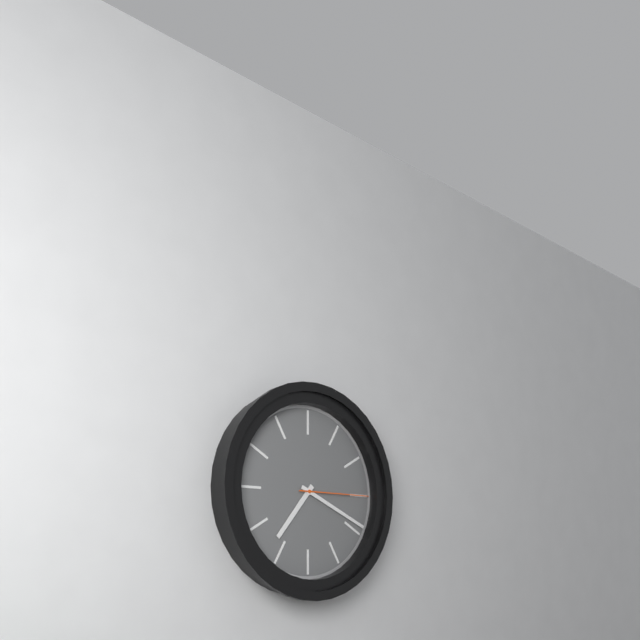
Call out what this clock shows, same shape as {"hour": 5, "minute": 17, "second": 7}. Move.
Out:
{"hour": 7, "minute": 19, "second": 15}
